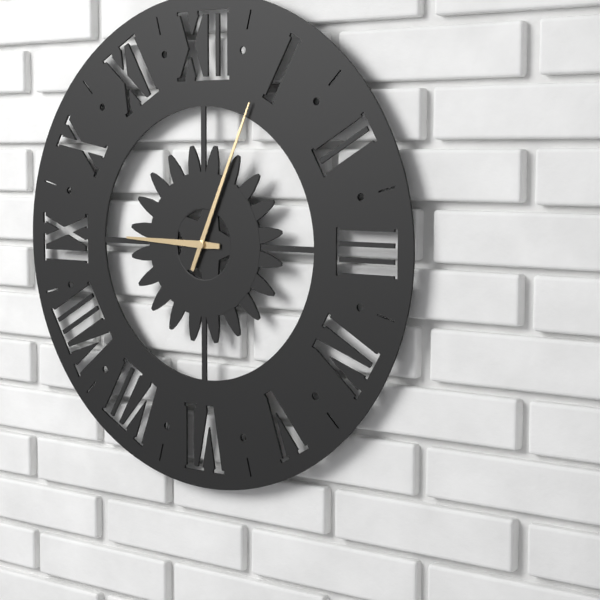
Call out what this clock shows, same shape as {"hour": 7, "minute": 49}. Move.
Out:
{"hour": 9, "minute": 4}
